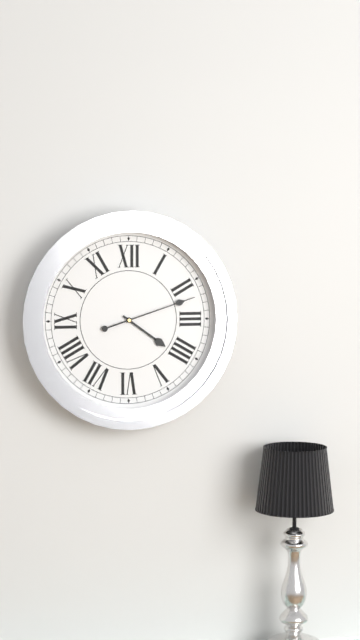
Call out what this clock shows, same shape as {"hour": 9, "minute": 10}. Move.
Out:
{"hour": 4, "minute": 12}
